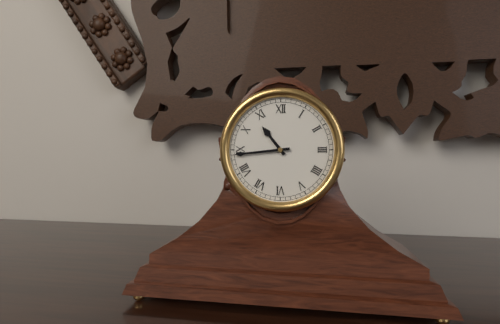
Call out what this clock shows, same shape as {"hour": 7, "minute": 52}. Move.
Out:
{"hour": 10, "minute": 44}
